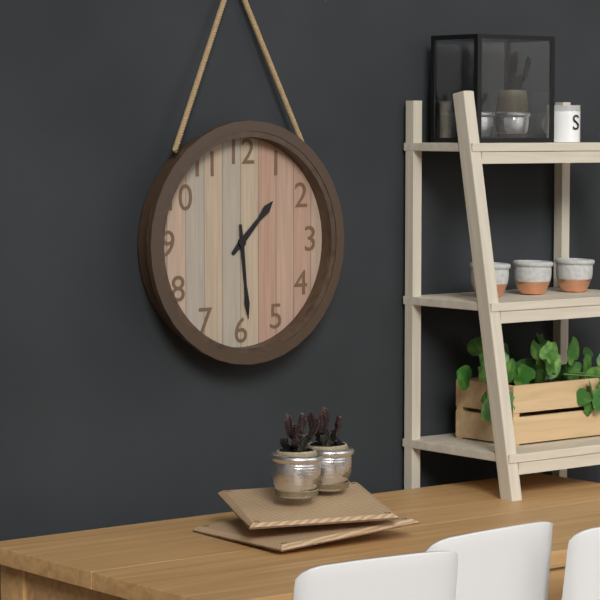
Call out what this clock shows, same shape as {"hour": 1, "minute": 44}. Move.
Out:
{"hour": 1, "minute": 29}
